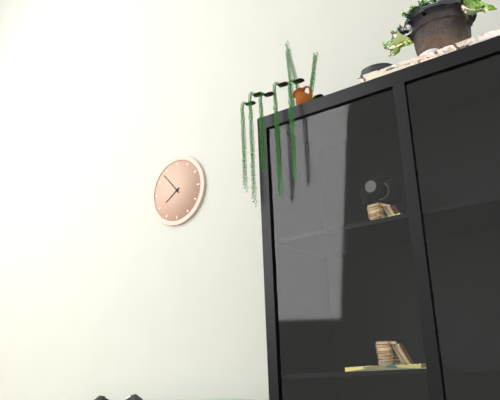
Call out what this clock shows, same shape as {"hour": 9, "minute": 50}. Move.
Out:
{"hour": 7, "minute": 53}
